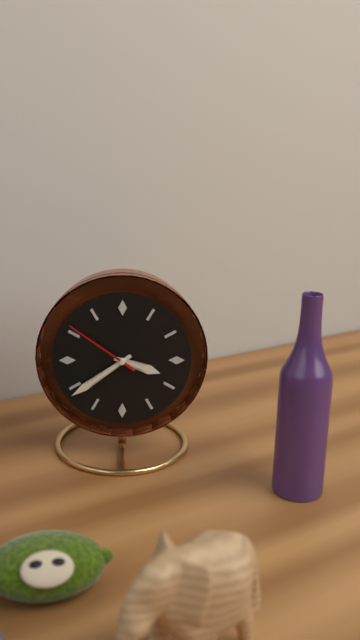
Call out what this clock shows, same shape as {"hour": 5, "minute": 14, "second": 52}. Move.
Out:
{"hour": 3, "minute": 39, "second": 51}
